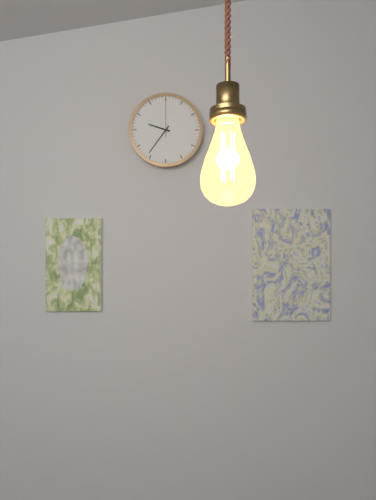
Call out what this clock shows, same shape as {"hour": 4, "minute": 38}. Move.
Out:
{"hour": 9, "minute": 36}
